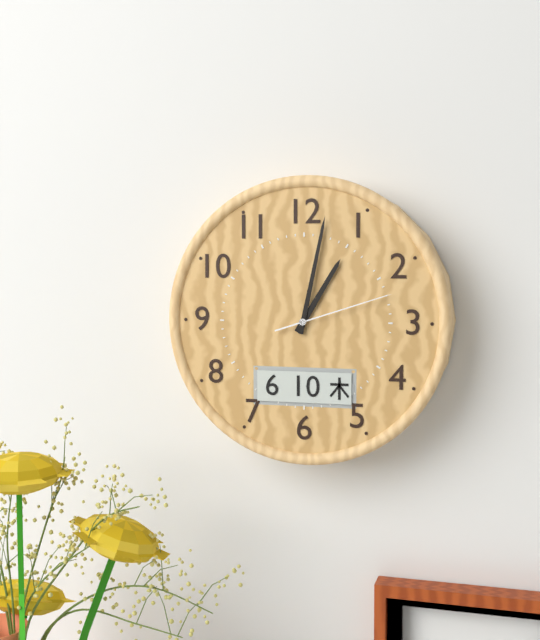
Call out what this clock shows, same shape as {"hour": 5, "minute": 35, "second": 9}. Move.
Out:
{"hour": 1, "minute": 2, "second": 12}
